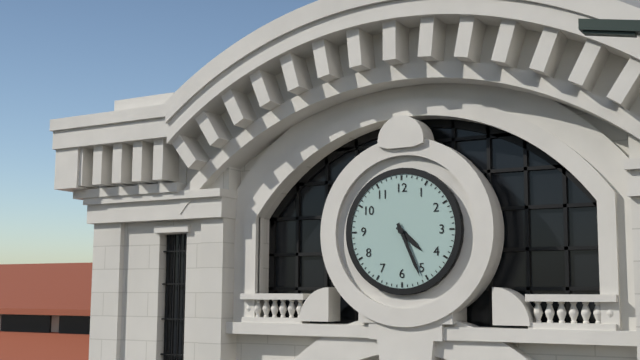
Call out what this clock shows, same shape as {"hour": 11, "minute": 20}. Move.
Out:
{"hour": 4, "minute": 26}
